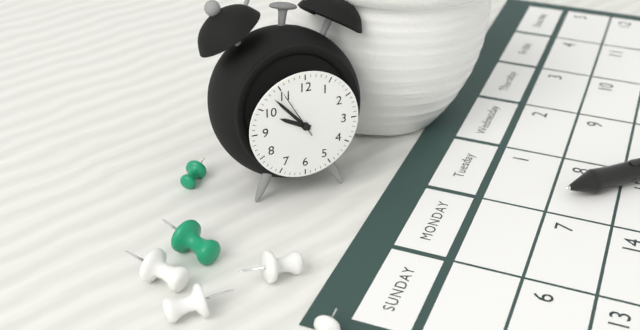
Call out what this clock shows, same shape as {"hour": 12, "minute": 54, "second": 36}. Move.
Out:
{"hour": 9, "minute": 53, "second": 55}
